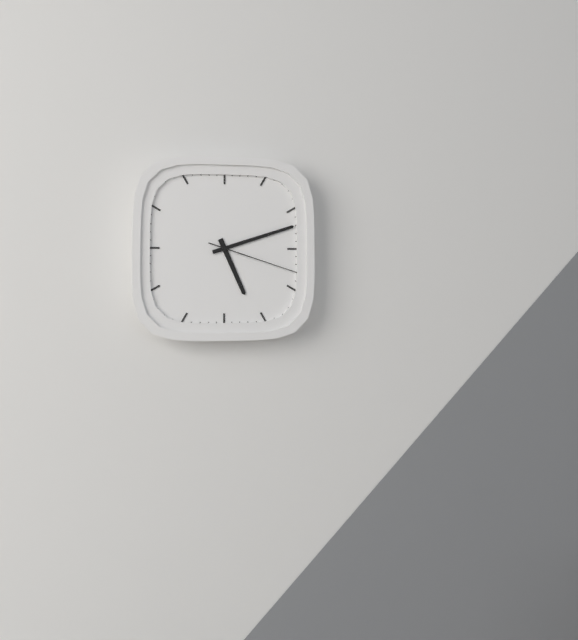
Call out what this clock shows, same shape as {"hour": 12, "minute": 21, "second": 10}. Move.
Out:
{"hour": 5, "minute": 12, "second": 18}
